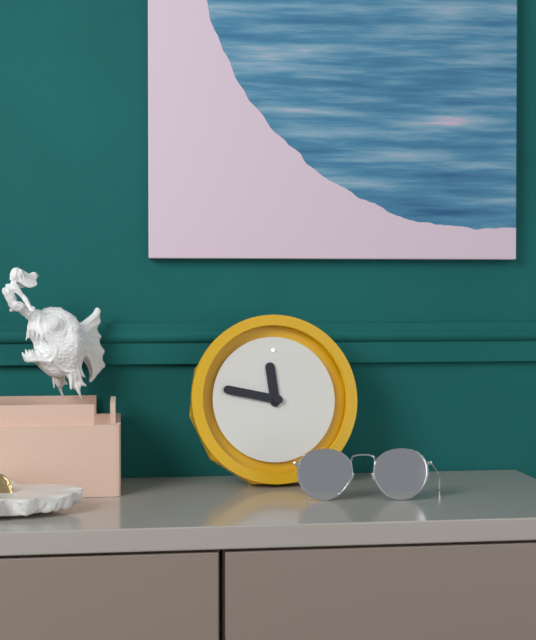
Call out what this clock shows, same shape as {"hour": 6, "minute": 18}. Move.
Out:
{"hour": 11, "minute": 47}
